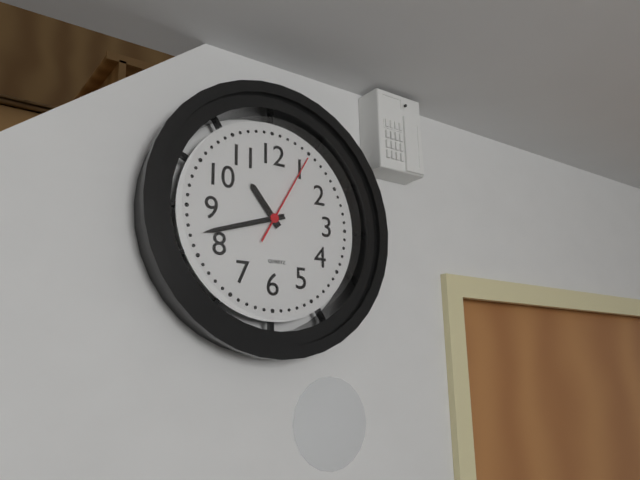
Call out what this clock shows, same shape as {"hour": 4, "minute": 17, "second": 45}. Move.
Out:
{"hour": 10, "minute": 42, "second": 5}
